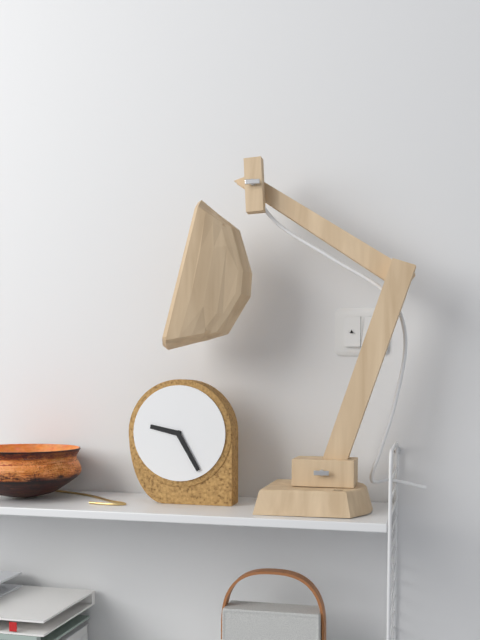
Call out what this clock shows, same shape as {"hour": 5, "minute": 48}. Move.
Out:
{"hour": 9, "minute": 25}
